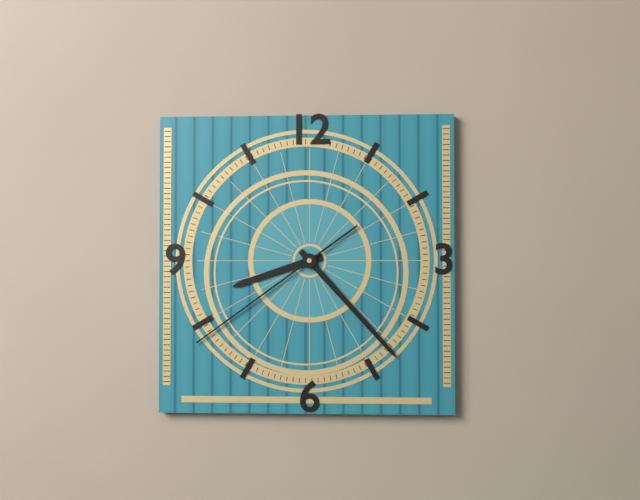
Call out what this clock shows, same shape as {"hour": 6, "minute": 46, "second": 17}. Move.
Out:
{"hour": 8, "minute": 23, "second": 39}
